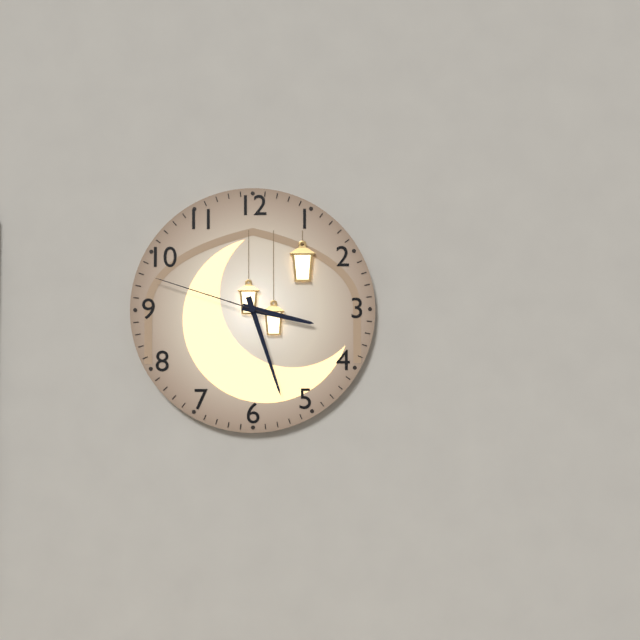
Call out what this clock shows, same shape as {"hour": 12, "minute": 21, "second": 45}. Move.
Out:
{"hour": 3, "minute": 27, "second": 48}
